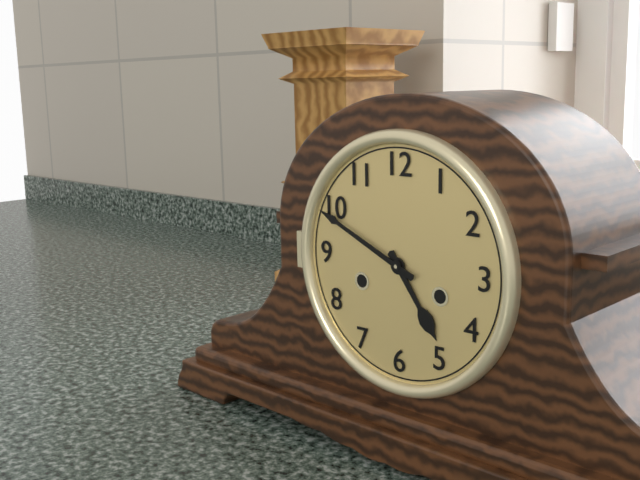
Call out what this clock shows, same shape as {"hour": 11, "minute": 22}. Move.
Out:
{"hour": 4, "minute": 49}
